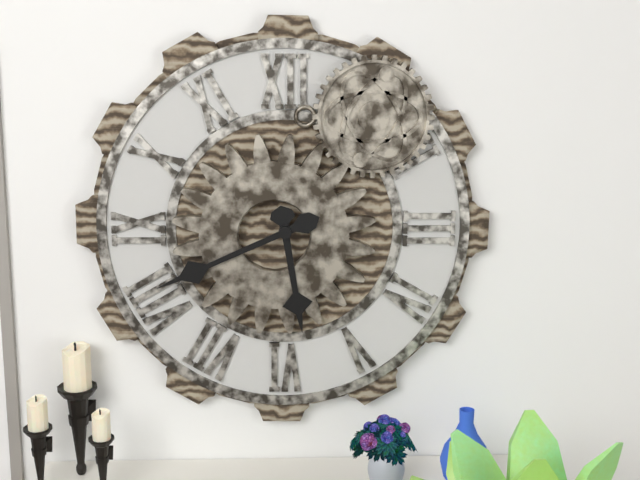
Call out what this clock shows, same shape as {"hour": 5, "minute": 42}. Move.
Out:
{"hour": 5, "minute": 41}
